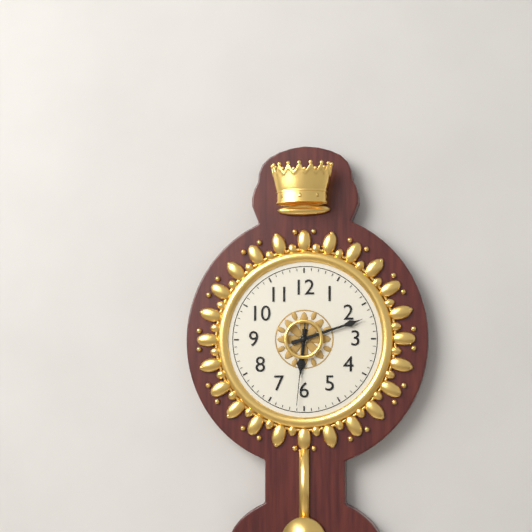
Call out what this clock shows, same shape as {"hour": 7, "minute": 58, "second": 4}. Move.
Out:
{"hour": 6, "minute": 12, "second": 31}
